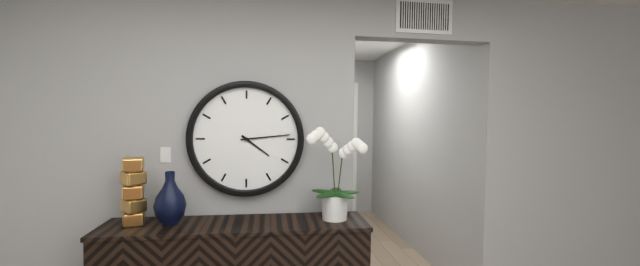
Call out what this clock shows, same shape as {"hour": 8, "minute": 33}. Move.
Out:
{"hour": 4, "minute": 14}
